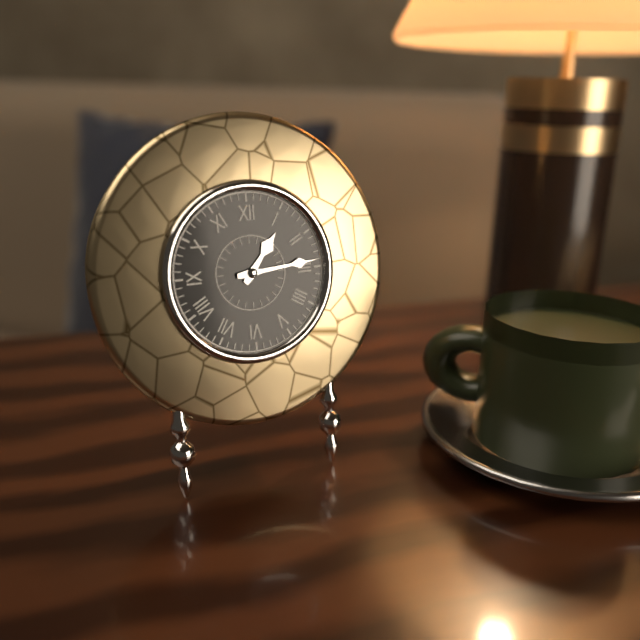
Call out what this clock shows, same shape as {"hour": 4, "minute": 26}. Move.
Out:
{"hour": 1, "minute": 14}
